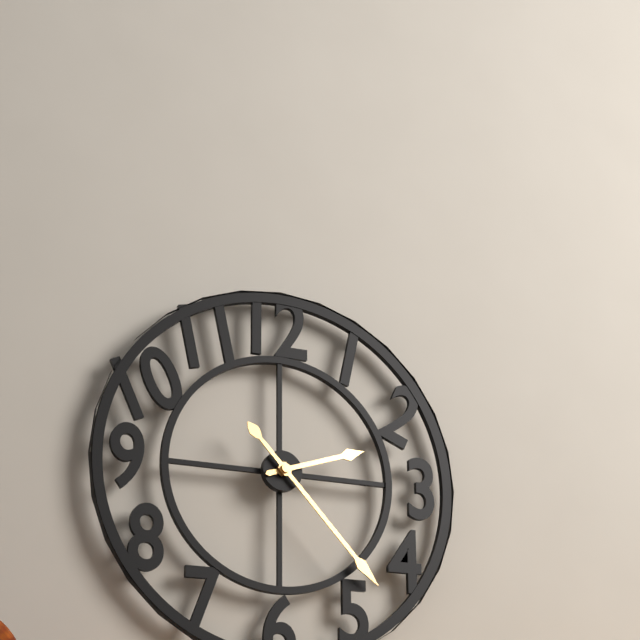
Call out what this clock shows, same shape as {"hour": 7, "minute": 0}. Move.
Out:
{"hour": 2, "minute": 23}
